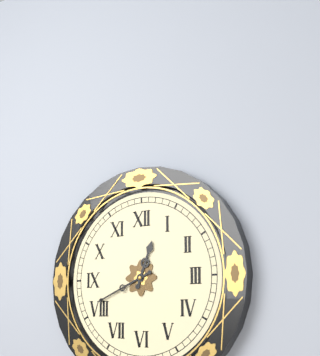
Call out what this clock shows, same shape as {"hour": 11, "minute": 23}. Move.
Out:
{"hour": 12, "minute": 41}
